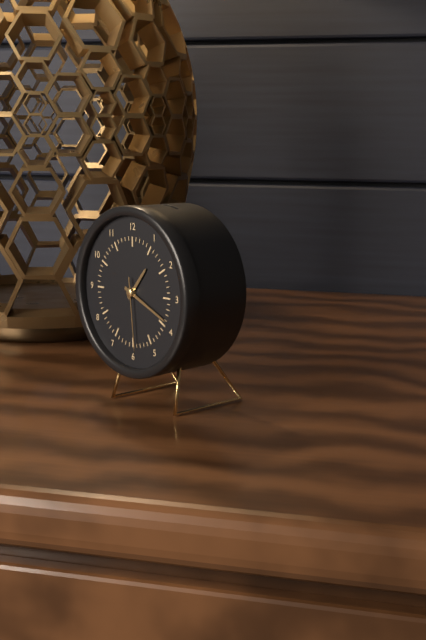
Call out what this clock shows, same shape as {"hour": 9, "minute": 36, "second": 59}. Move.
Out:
{"hour": 1, "minute": 19, "second": 29}
